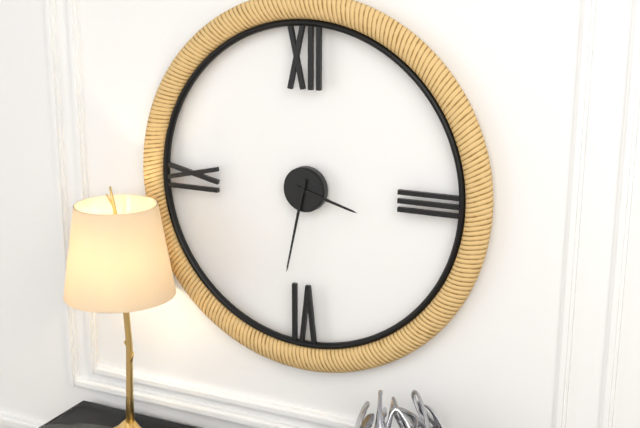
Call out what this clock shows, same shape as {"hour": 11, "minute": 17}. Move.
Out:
{"hour": 3, "minute": 32}
